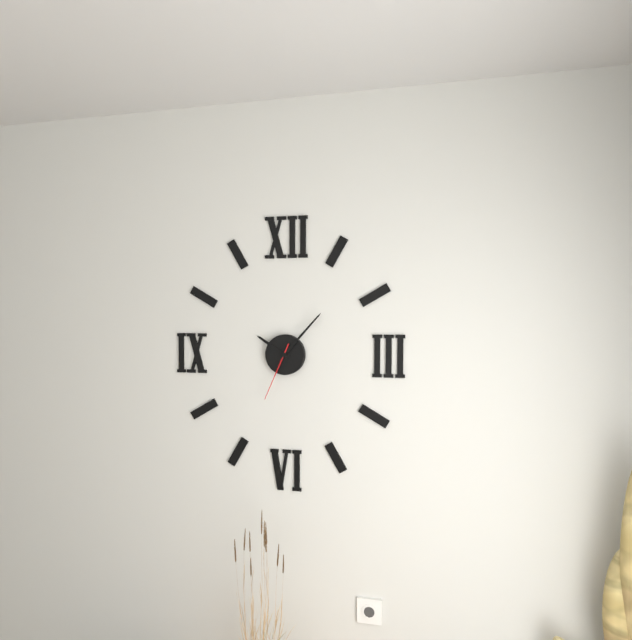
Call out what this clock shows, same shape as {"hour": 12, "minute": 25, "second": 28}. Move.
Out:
{"hour": 10, "minute": 7, "second": 34}
